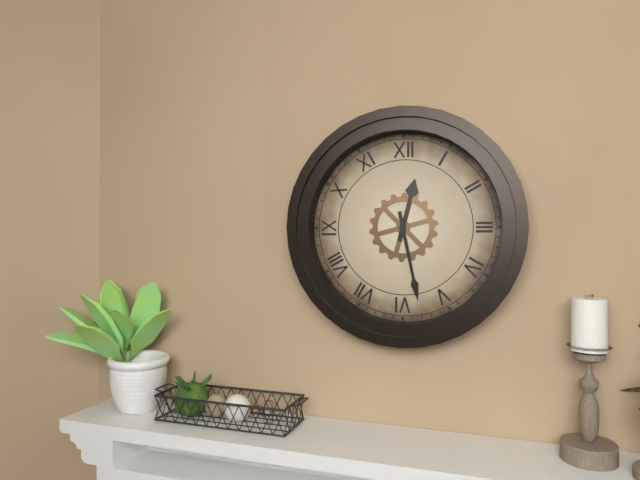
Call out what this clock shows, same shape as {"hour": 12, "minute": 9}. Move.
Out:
{"hour": 12, "minute": 28}
